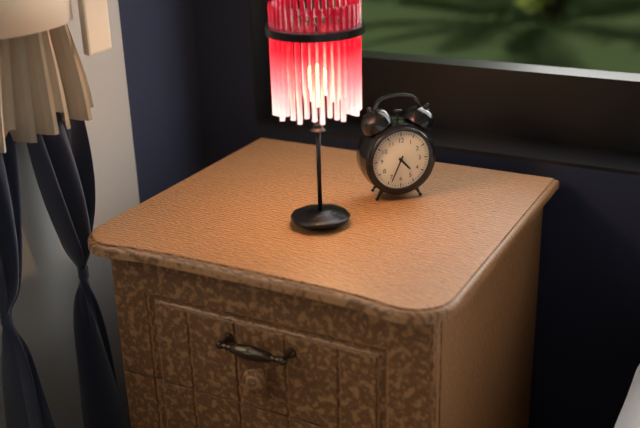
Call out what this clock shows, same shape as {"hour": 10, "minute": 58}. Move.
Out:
{"hour": 4, "minute": 34}
